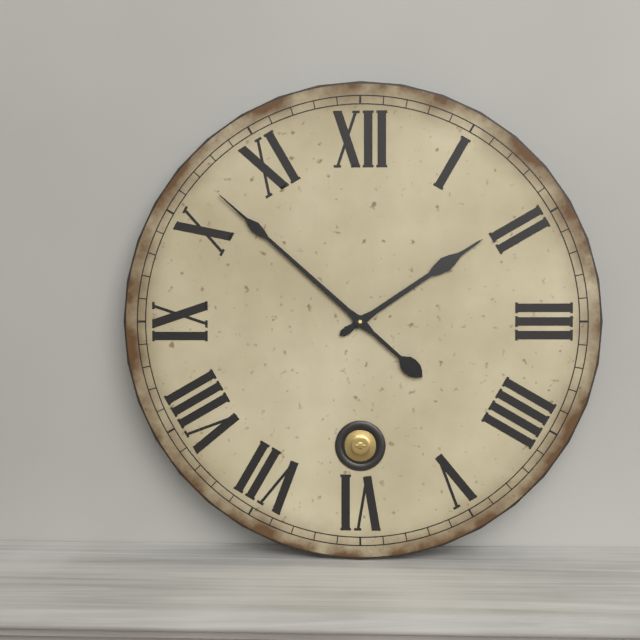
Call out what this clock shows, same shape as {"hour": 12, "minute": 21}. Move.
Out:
{"hour": 1, "minute": 52}
